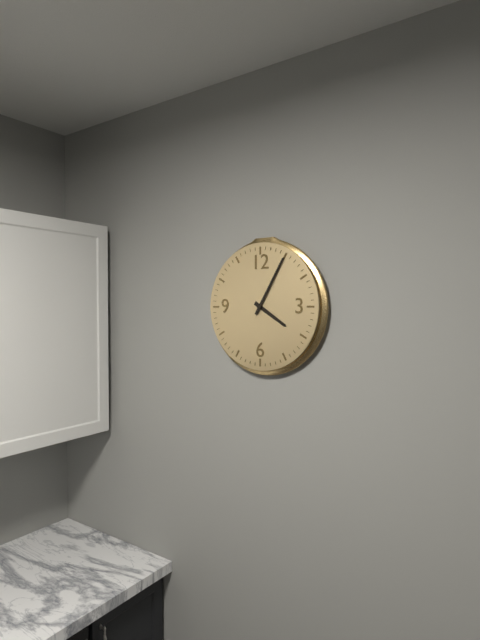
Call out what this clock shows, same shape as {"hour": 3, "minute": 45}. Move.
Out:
{"hour": 4, "minute": 5}
